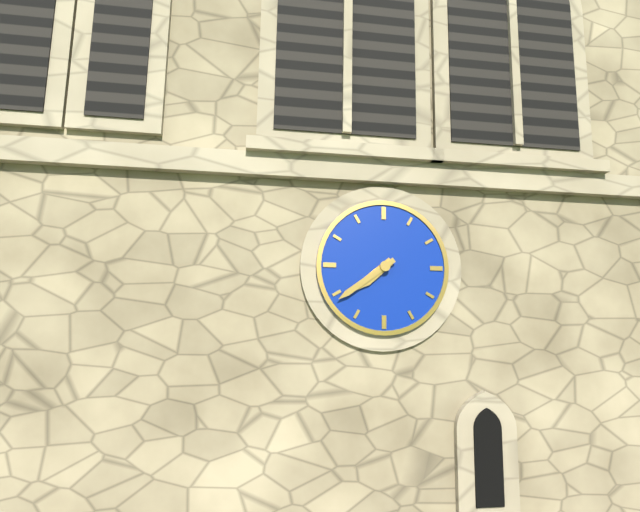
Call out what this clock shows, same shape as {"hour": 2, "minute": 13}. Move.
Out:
{"hour": 7, "minute": 39}
